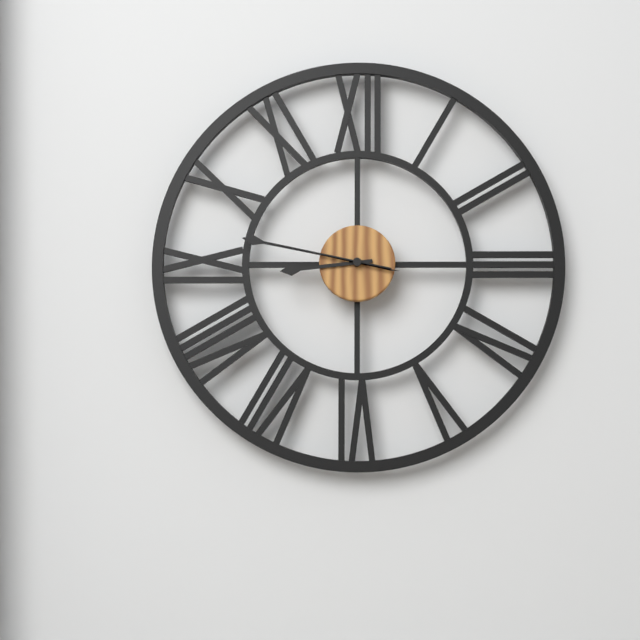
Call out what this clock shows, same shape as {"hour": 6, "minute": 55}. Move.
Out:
{"hour": 8, "minute": 47}
